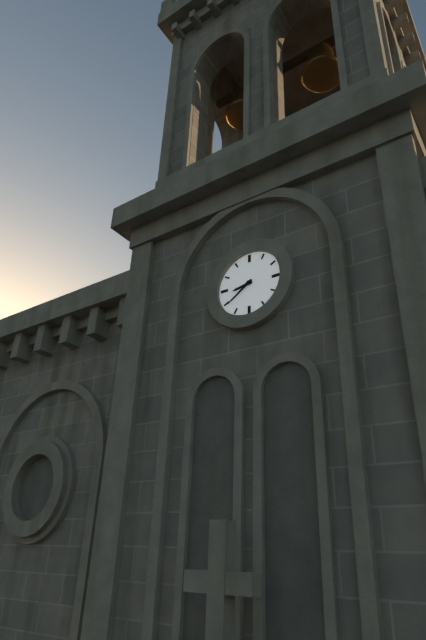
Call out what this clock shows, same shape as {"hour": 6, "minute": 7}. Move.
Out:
{"hour": 8, "minute": 39}
